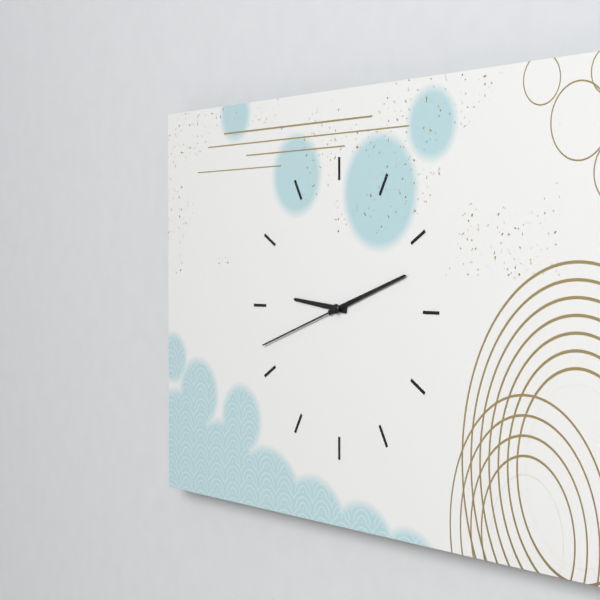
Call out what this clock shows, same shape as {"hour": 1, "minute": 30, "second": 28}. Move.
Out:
{"hour": 9, "minute": 12, "second": 42}
